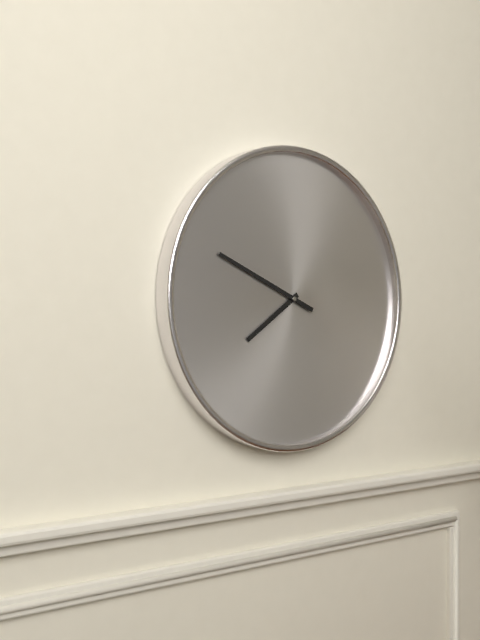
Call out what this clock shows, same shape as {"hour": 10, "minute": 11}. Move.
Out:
{"hour": 7, "minute": 49}
